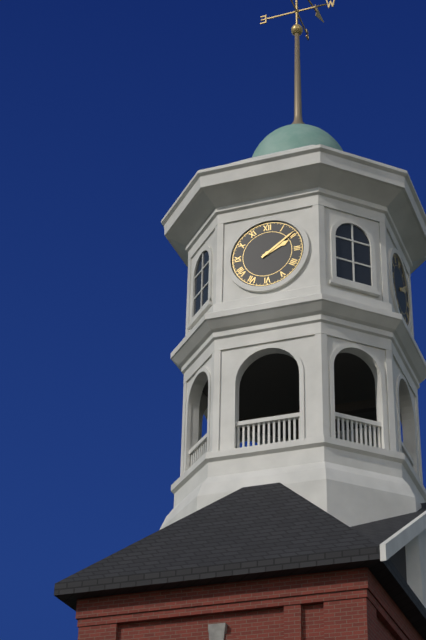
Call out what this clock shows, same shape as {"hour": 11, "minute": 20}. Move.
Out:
{"hour": 2, "minute": 9}
